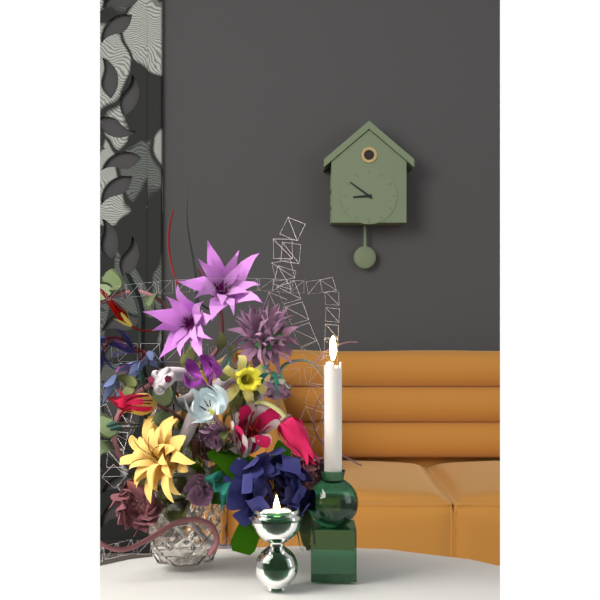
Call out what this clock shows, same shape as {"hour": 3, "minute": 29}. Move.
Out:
{"hour": 8, "minute": 51}
